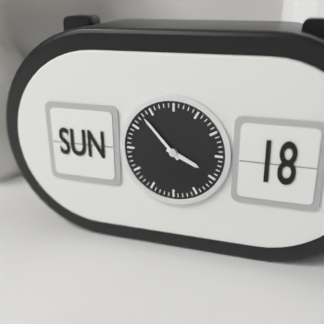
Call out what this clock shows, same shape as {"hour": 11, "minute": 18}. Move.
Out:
{"hour": 3, "minute": 53}
